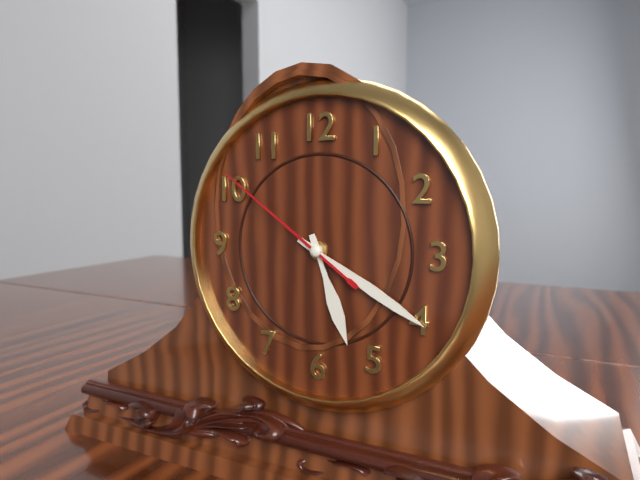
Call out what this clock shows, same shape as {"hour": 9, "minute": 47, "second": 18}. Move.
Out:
{"hour": 5, "minute": 20, "second": 51}
